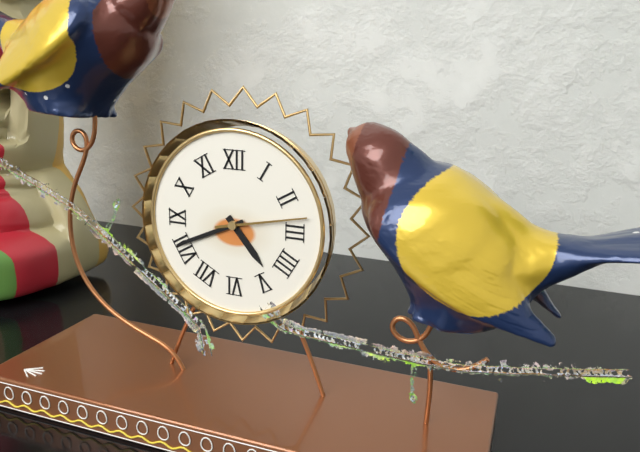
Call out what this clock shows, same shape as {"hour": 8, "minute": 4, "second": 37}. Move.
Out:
{"hour": 4, "minute": 41, "second": 13}
